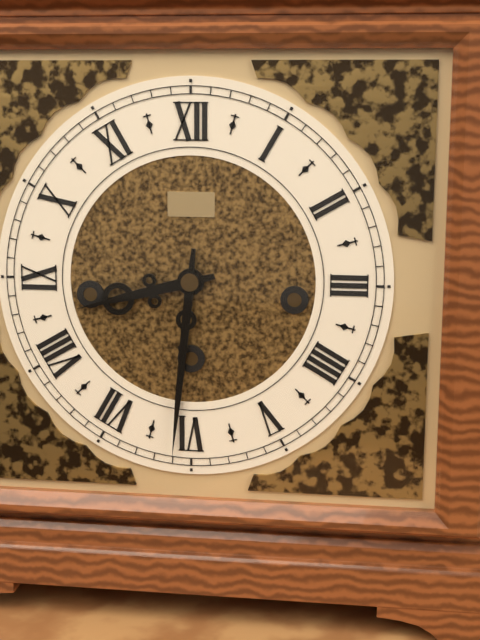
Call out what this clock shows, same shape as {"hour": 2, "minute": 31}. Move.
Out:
{"hour": 8, "minute": 31}
